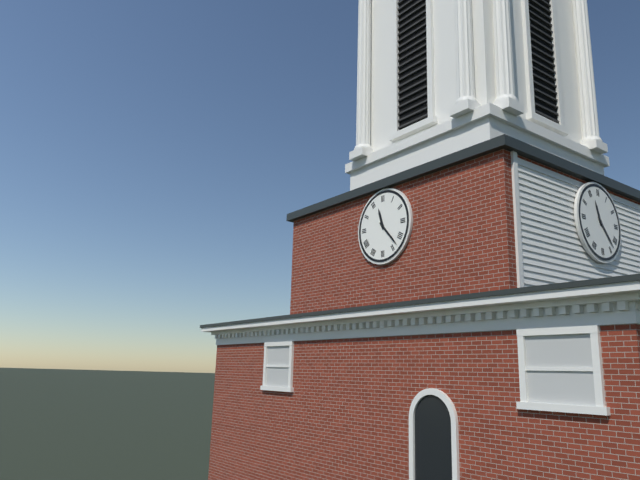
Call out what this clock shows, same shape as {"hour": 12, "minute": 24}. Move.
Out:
{"hour": 11, "minute": 23}
